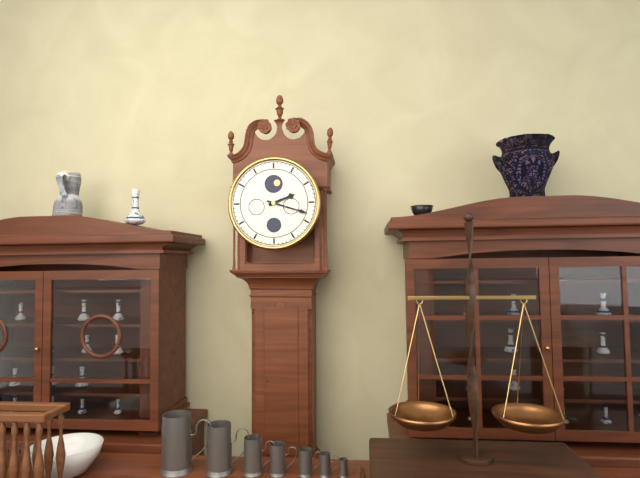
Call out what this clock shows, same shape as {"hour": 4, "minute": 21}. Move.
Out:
{"hour": 2, "minute": 18}
